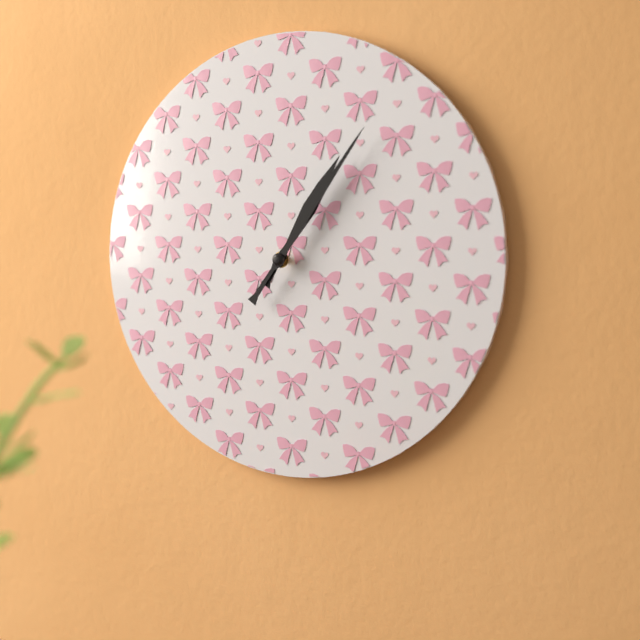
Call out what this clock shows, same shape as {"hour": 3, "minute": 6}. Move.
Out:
{"hour": 1, "minute": 6}
